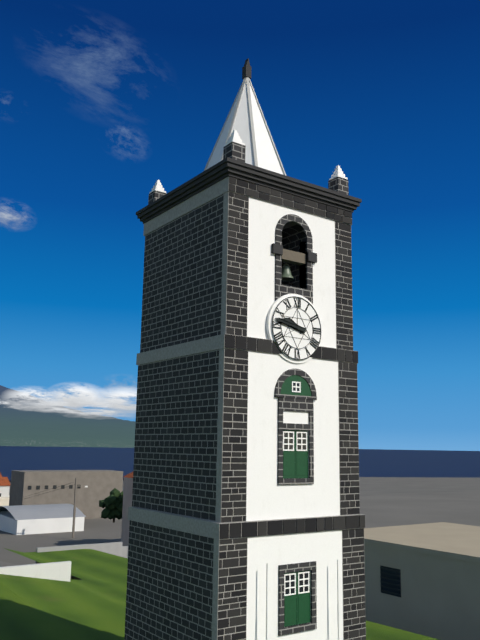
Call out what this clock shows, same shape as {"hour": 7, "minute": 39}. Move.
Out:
{"hour": 9, "minute": 47}
